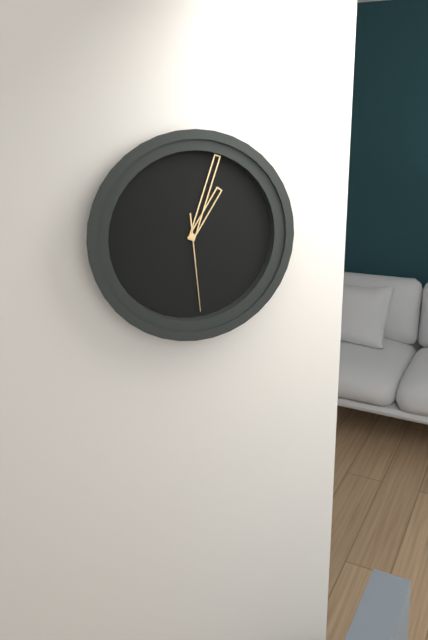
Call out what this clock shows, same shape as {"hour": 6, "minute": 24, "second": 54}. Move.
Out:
{"hour": 1, "minute": 3, "second": 29}
